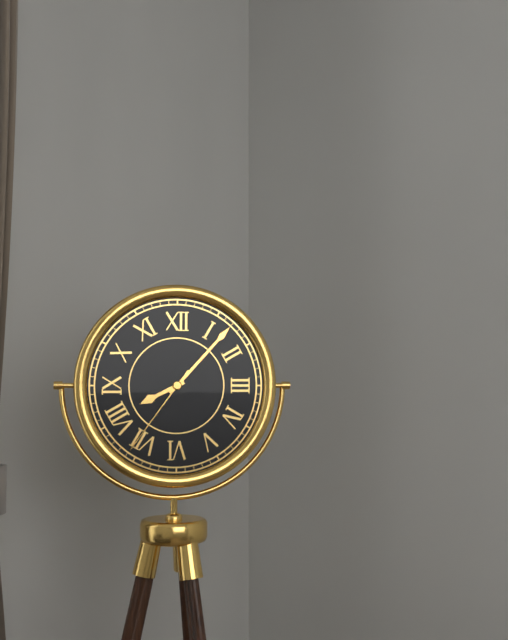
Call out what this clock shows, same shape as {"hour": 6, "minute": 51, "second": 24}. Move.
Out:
{"hour": 8, "minute": 7, "second": 36}
